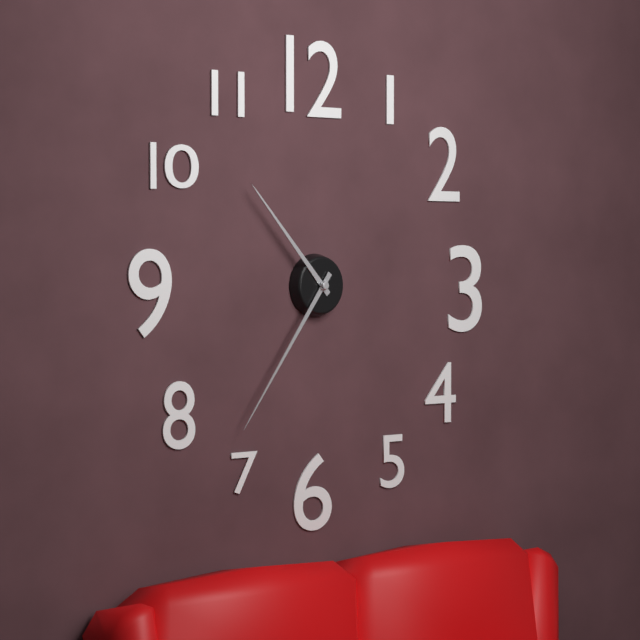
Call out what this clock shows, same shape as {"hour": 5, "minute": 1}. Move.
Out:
{"hour": 10, "minute": 36}
